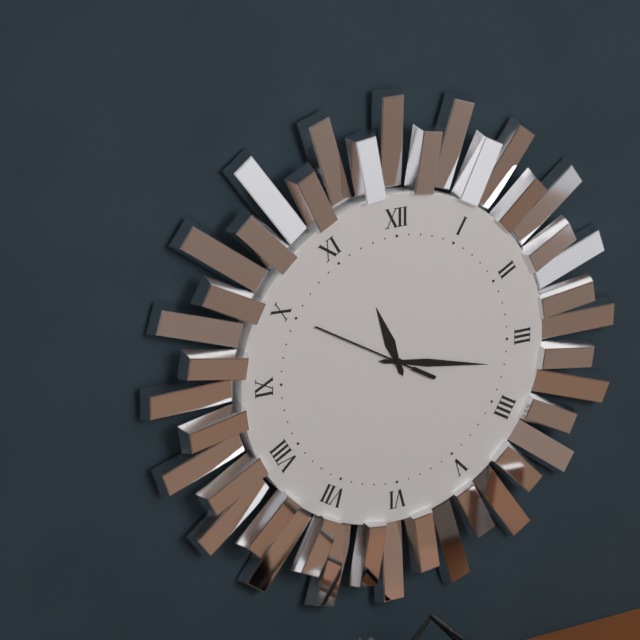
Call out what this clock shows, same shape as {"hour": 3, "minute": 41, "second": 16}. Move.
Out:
{"hour": 11, "minute": 17, "second": 50}
